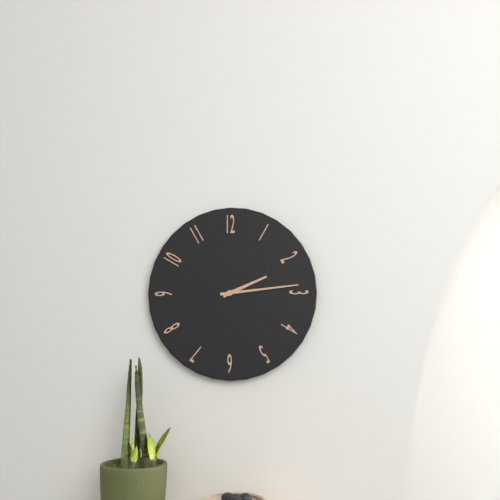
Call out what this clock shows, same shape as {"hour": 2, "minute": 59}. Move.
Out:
{"hour": 2, "minute": 14}
